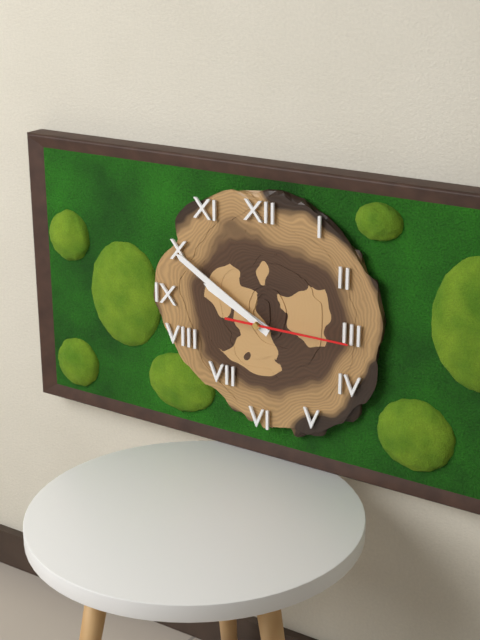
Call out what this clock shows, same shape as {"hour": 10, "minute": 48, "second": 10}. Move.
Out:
{"hour": 9, "minute": 50, "second": 15}
